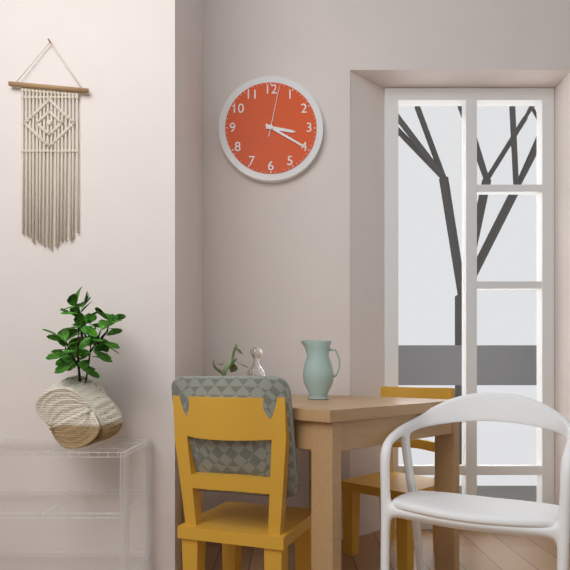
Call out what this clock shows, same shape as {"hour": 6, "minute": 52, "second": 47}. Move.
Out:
{"hour": 3, "minute": 20, "second": 2}
